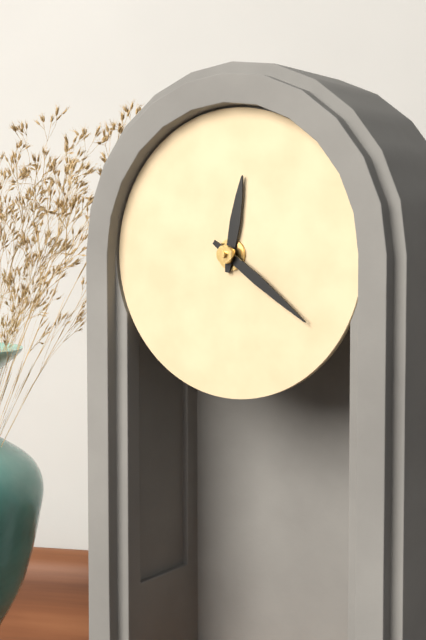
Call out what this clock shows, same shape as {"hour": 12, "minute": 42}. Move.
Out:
{"hour": 12, "minute": 21}
